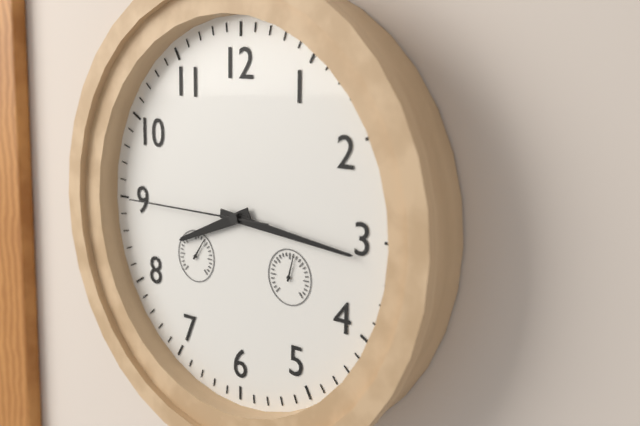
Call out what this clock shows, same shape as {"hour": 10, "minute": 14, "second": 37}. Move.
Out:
{"hour": 8, "minute": 16, "second": 45}
